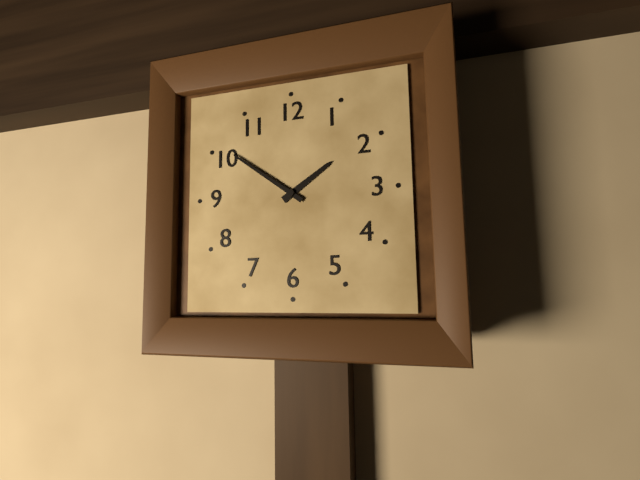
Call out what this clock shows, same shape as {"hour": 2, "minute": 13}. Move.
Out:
{"hour": 1, "minute": 51}
